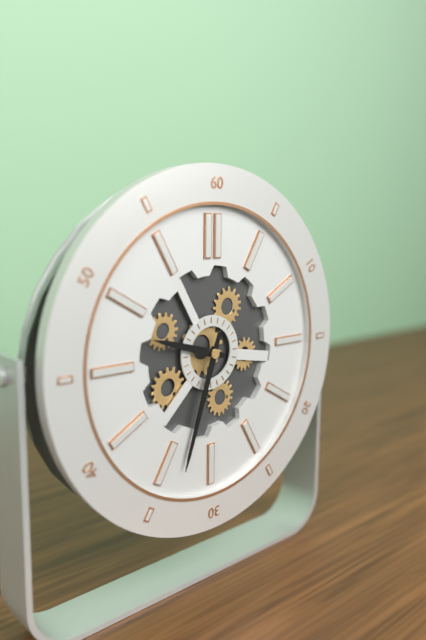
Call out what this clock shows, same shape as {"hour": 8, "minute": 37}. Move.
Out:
{"hour": 9, "minute": 33}
